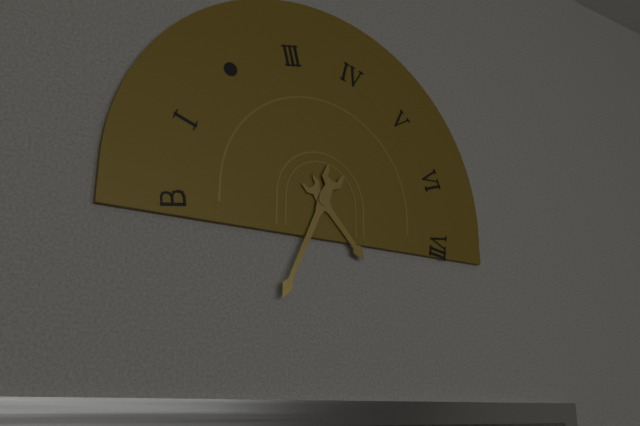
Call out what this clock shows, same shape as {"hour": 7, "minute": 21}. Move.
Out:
{"hour": 4, "minute": 34}
